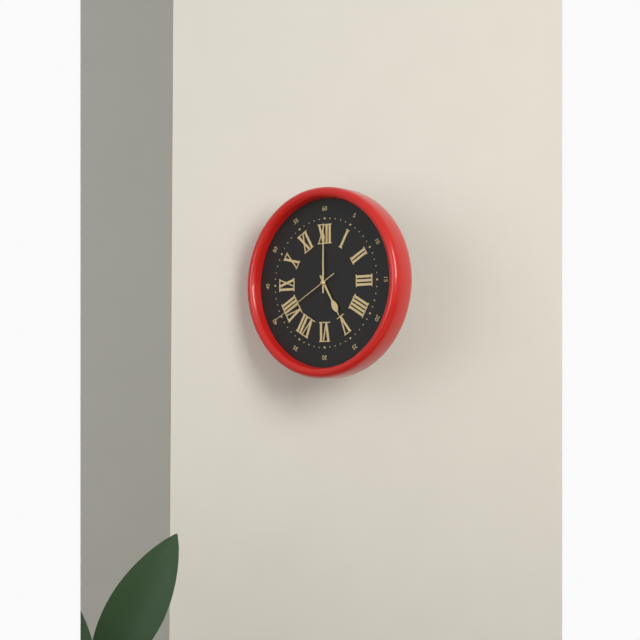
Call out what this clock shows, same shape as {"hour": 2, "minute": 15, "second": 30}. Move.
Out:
{"hour": 5, "minute": 0, "second": 40}
